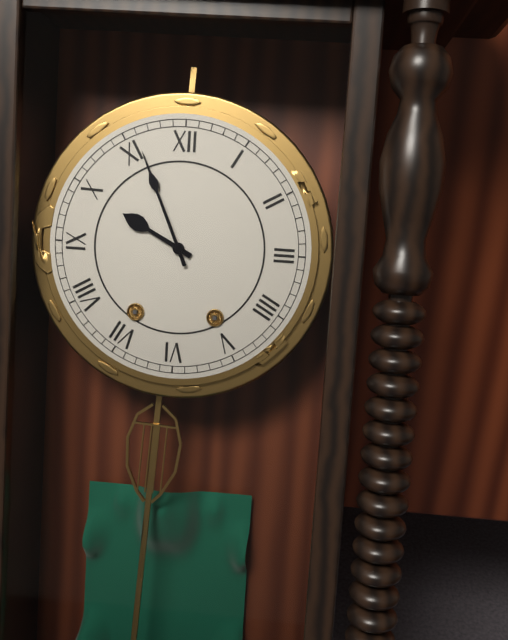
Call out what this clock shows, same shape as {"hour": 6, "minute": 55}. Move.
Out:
{"hour": 9, "minute": 56}
